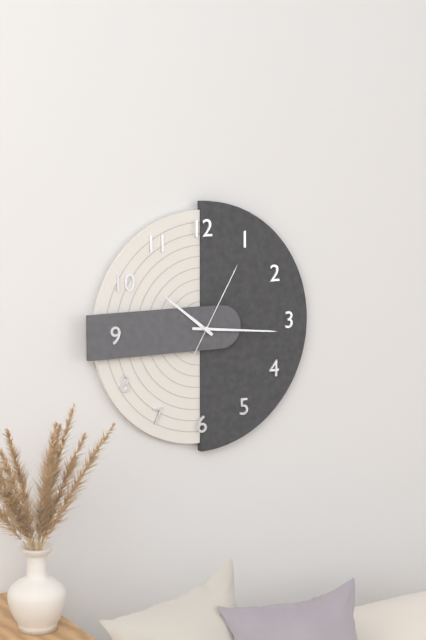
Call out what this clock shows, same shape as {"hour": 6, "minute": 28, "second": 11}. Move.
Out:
{"hour": 10, "minute": 16, "second": 5}
